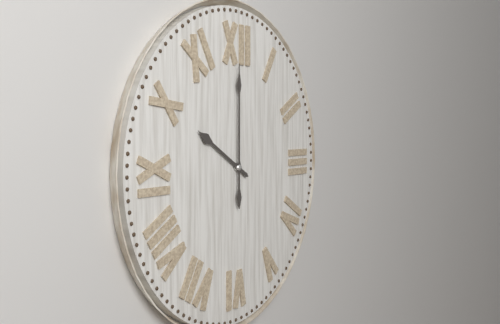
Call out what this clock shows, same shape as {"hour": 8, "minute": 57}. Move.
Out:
{"hour": 10, "minute": 0}
